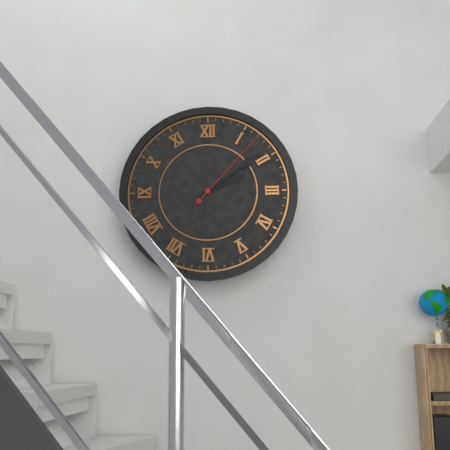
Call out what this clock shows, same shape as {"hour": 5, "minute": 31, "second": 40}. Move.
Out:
{"hour": 2, "minute": 9, "second": 7}
